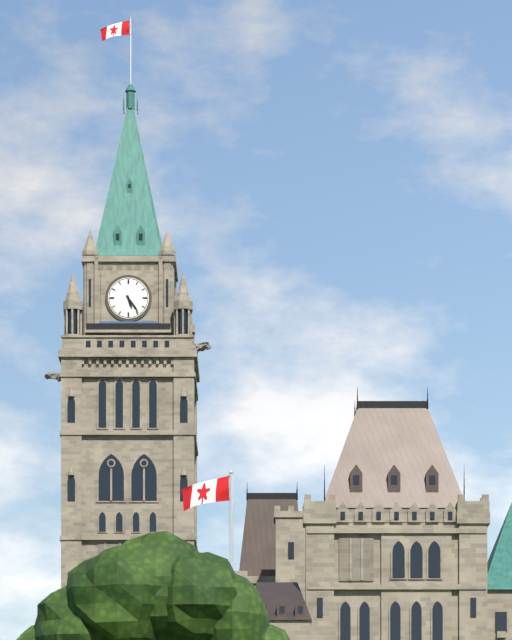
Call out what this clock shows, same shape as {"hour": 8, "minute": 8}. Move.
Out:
{"hour": 5, "minute": 24}
